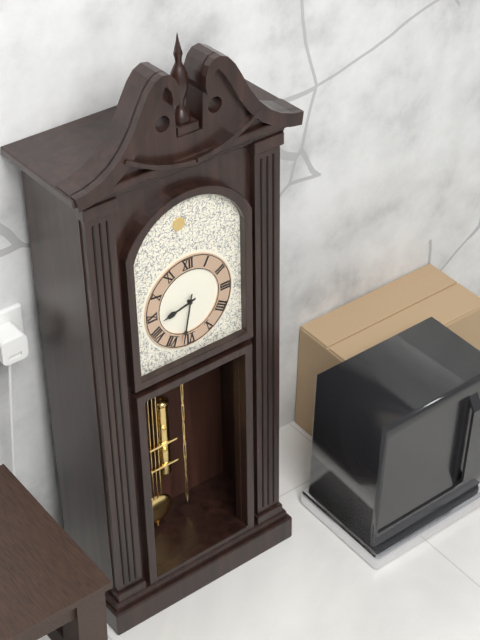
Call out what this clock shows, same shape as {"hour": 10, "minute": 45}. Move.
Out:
{"hour": 8, "minute": 32}
